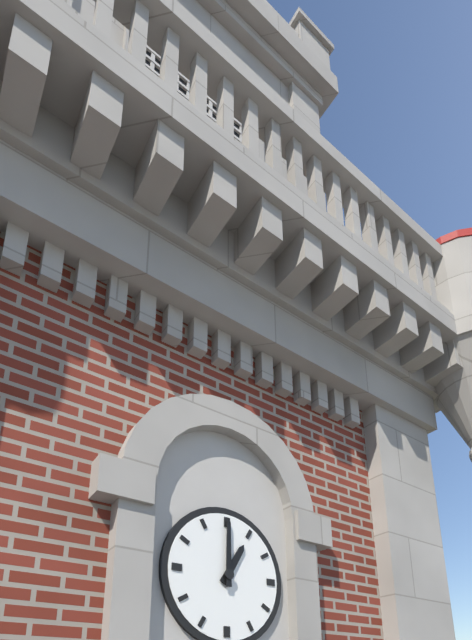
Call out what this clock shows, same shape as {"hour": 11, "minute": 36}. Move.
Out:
{"hour": 1, "minute": 0}
